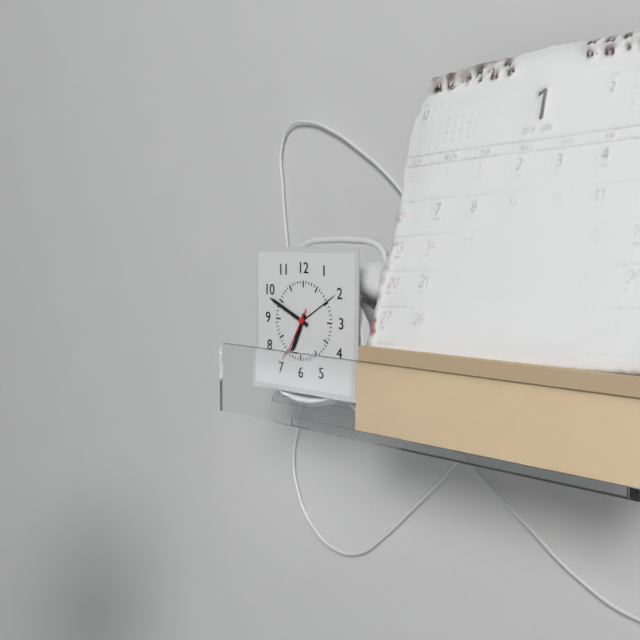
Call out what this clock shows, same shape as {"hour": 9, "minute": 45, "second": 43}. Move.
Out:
{"hour": 6, "minute": 49, "second": 35}
